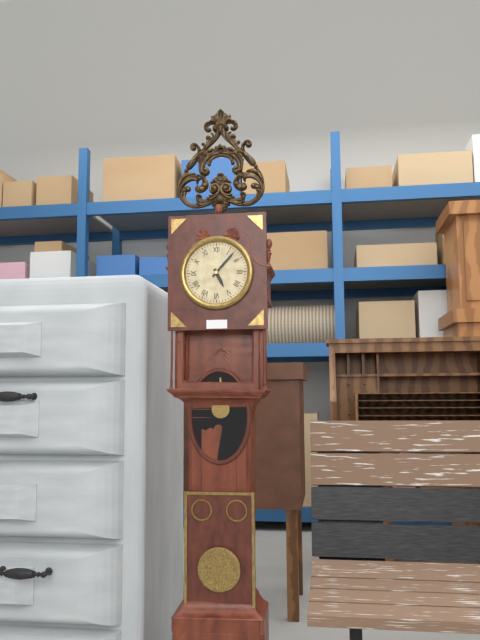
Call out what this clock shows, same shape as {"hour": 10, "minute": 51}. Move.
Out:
{"hour": 5, "minute": 7}
